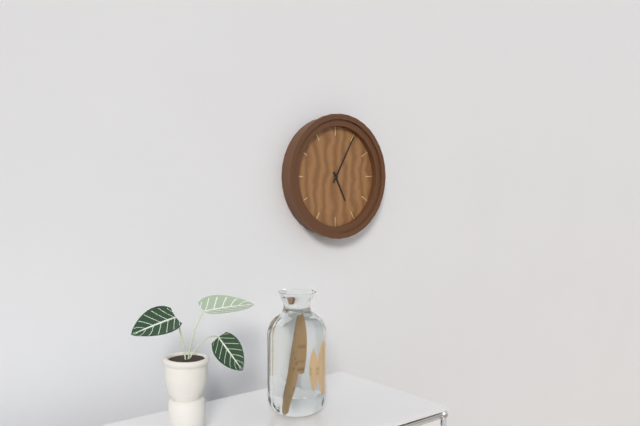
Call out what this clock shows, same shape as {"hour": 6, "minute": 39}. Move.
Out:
{"hour": 5, "minute": 5}
